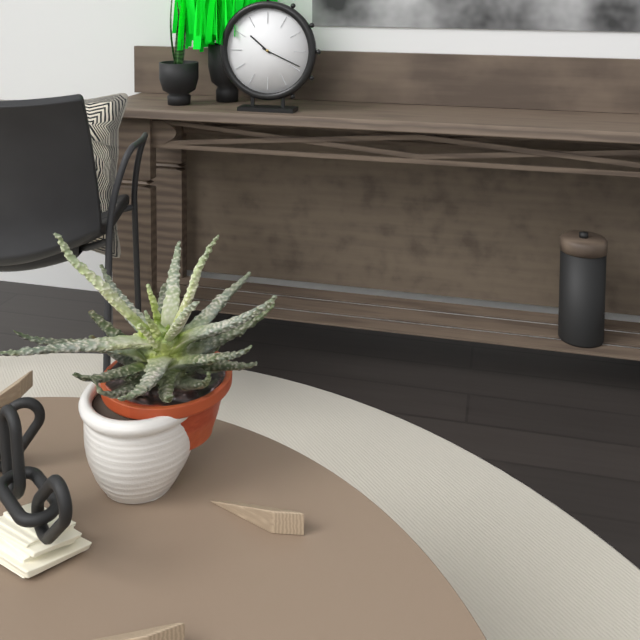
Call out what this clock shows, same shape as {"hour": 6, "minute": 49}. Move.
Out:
{"hour": 10, "minute": 19}
